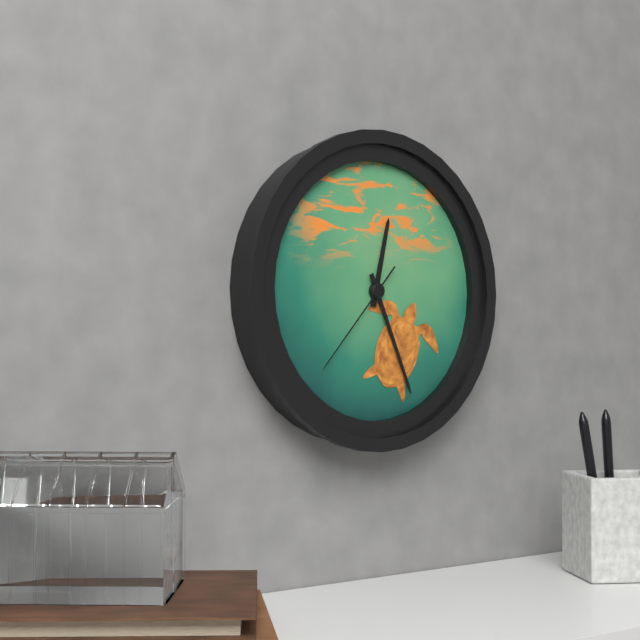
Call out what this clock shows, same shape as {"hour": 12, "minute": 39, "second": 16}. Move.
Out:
{"hour": 12, "minute": 26, "second": 37}
